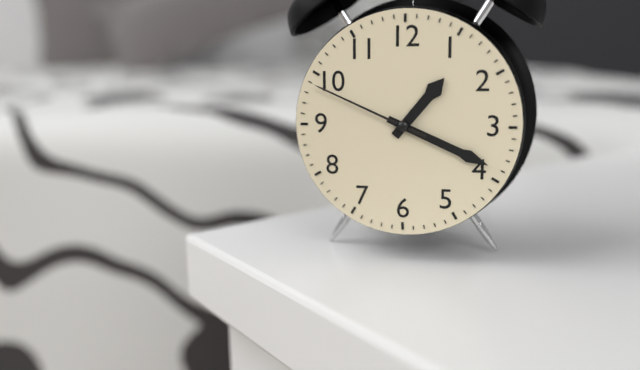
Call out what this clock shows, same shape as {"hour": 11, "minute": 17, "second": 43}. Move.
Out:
{"hour": 1, "minute": 19, "second": 49}
